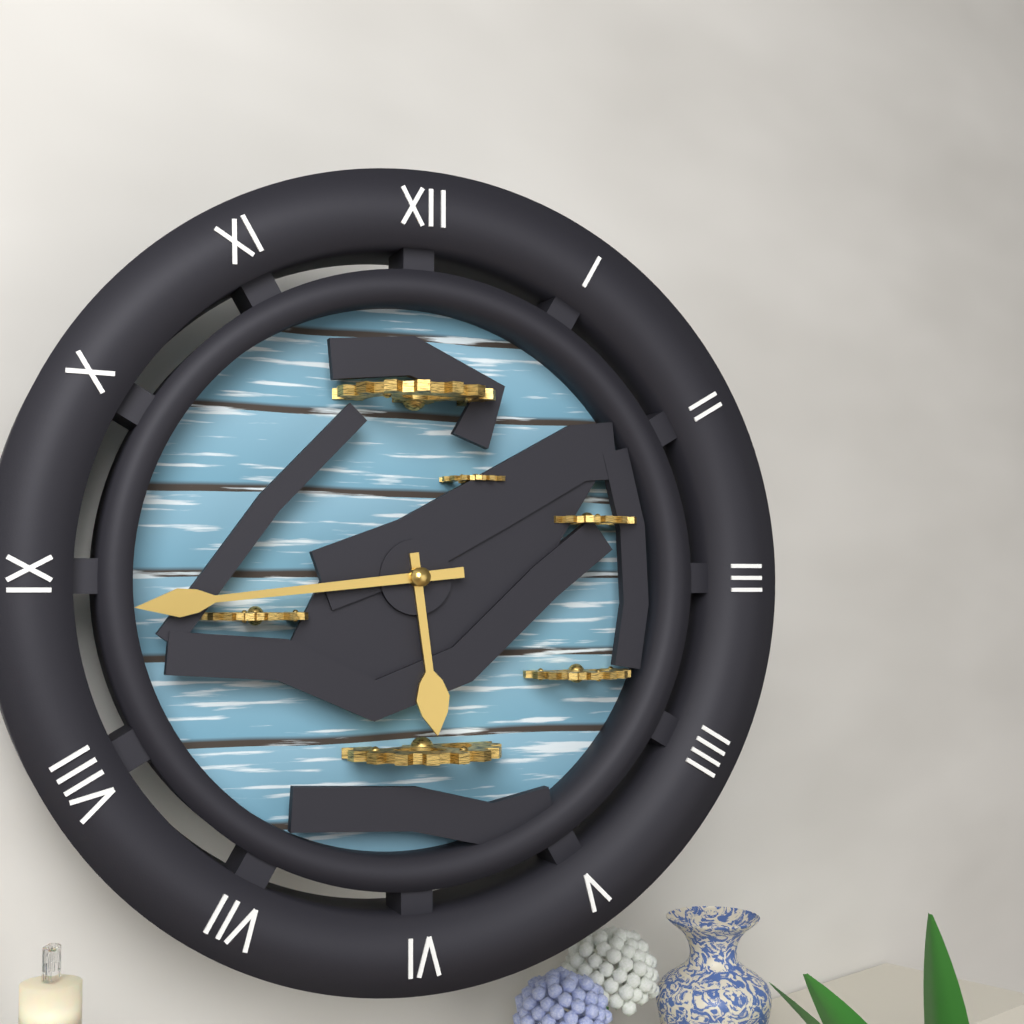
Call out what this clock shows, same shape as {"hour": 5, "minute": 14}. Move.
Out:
{"hour": 5, "minute": 44}
